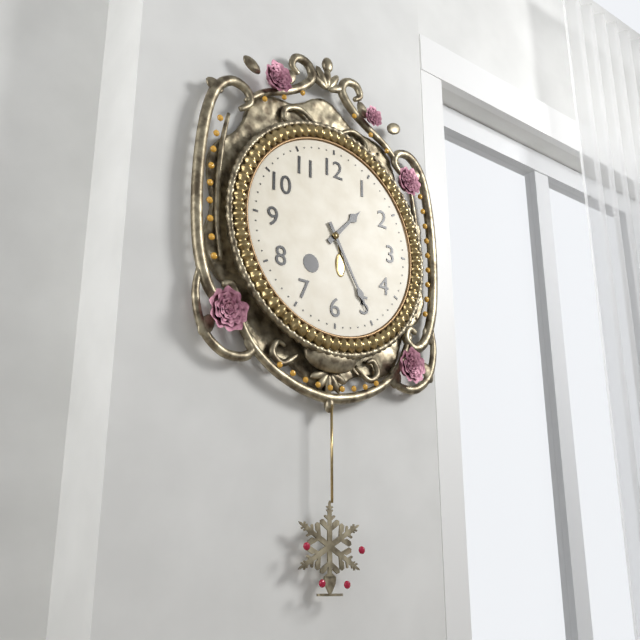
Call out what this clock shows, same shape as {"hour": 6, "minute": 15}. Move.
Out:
{"hour": 1, "minute": 25}
